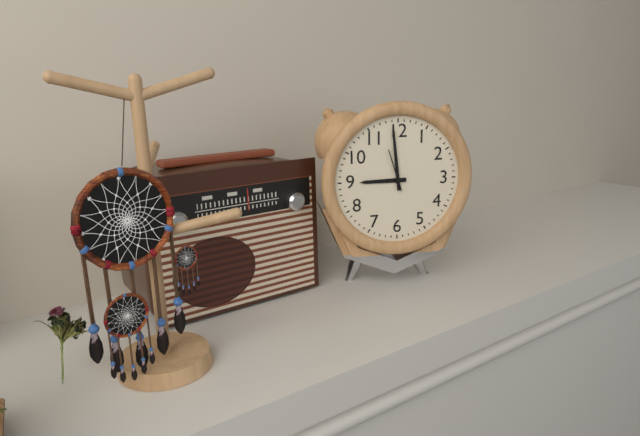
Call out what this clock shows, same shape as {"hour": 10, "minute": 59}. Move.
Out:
{"hour": 8, "minute": 59}
